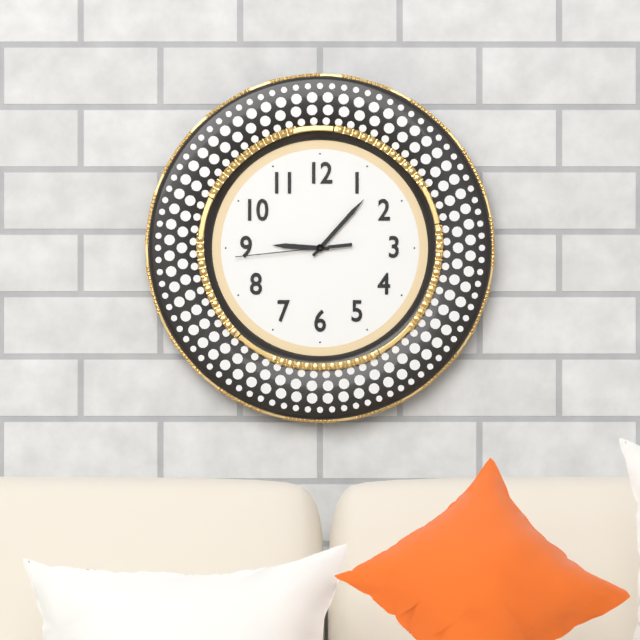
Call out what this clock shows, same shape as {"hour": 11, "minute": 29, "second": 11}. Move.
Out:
{"hour": 9, "minute": 7, "second": 44}
